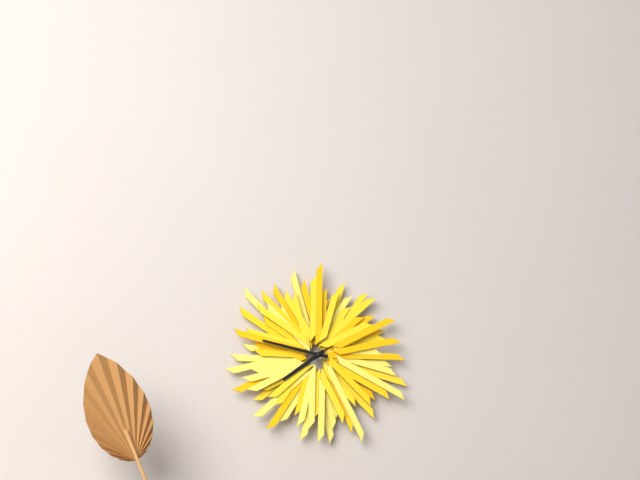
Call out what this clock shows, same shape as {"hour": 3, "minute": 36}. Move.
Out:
{"hour": 7, "minute": 47}
